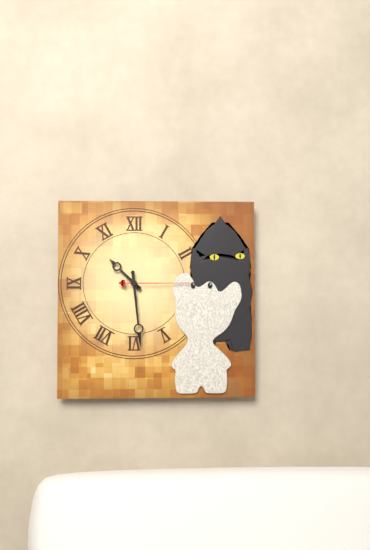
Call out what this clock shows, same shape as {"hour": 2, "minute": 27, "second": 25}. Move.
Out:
{"hour": 10, "minute": 29, "second": 15}
